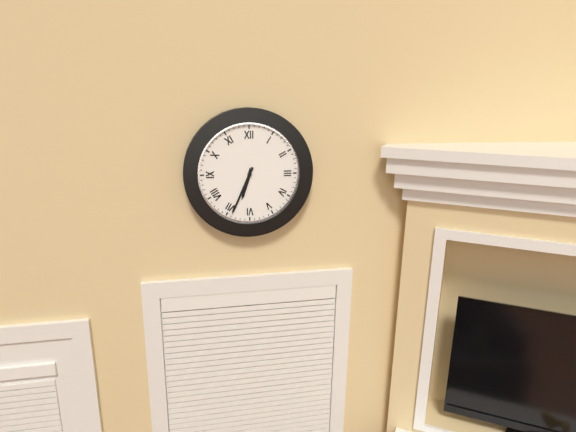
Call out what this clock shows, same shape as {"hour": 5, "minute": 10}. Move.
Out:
{"hour": 6, "minute": 34}
